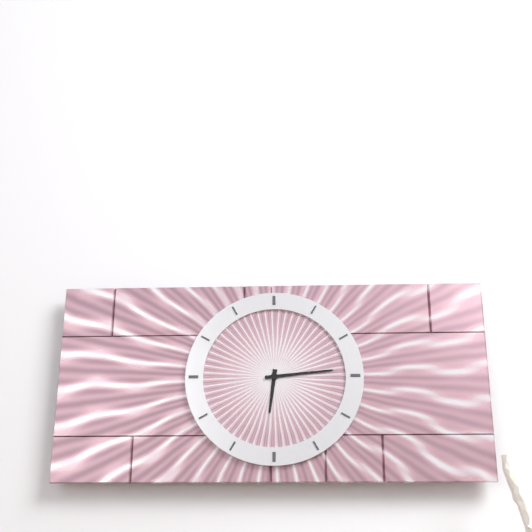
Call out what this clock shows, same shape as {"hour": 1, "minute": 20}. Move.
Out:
{"hour": 6, "minute": 14}
